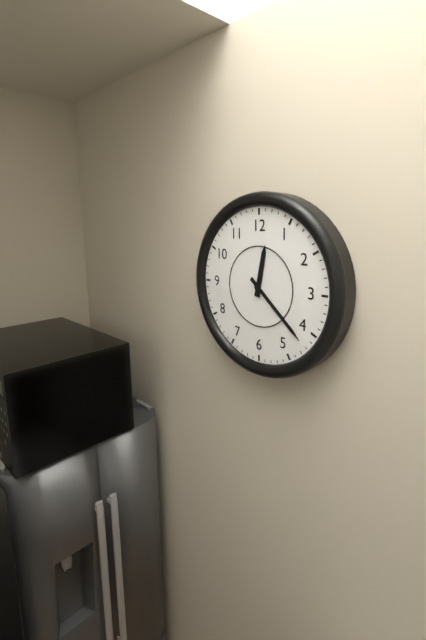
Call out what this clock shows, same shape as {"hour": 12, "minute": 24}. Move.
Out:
{"hour": 12, "minute": 22}
